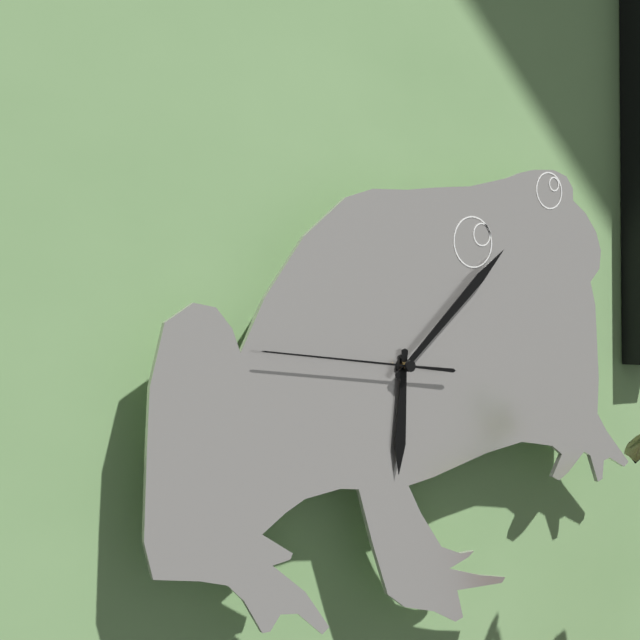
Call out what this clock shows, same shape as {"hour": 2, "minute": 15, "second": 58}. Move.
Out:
{"hour": 6, "minute": 8, "second": 46}
